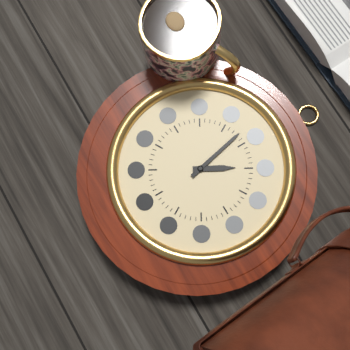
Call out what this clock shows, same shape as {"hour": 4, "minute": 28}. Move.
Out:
{"hour": 12, "minute": 58}
